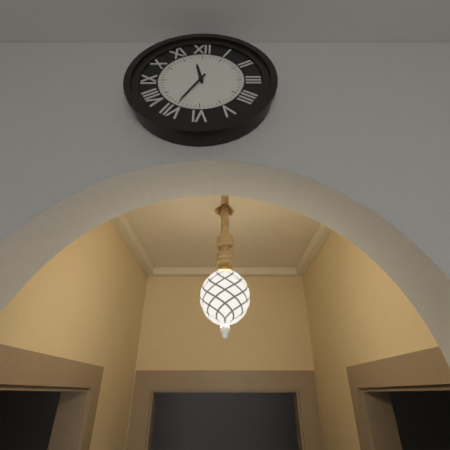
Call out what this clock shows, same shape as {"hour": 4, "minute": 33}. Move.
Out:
{"hour": 11, "minute": 35}
